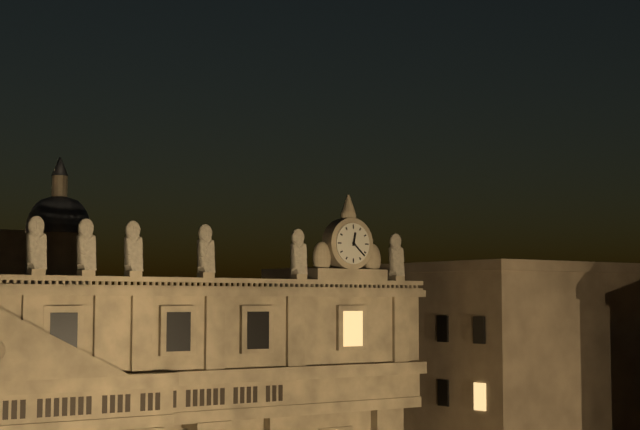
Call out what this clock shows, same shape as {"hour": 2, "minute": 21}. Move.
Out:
{"hour": 12, "minute": 22}
